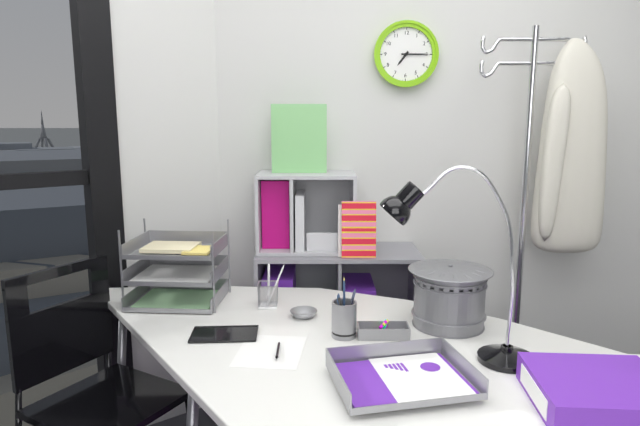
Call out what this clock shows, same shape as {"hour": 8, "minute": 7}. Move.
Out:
{"hour": 7, "minute": 15}
